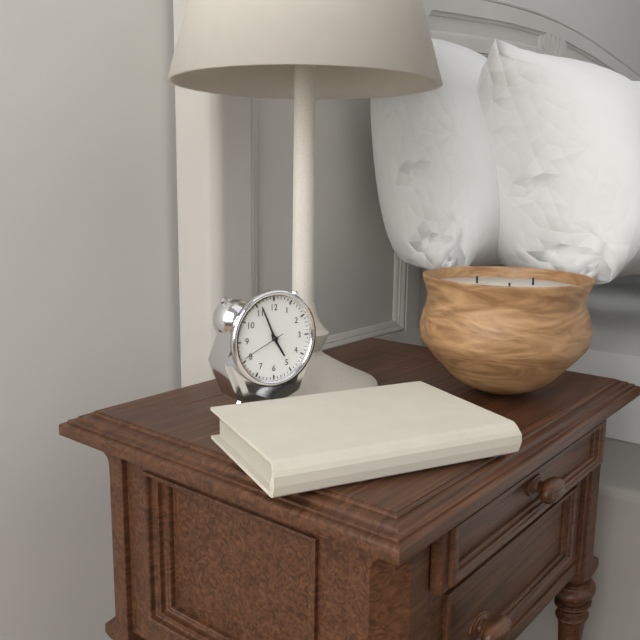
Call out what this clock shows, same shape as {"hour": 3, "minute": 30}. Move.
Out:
{"hour": 4, "minute": 56}
